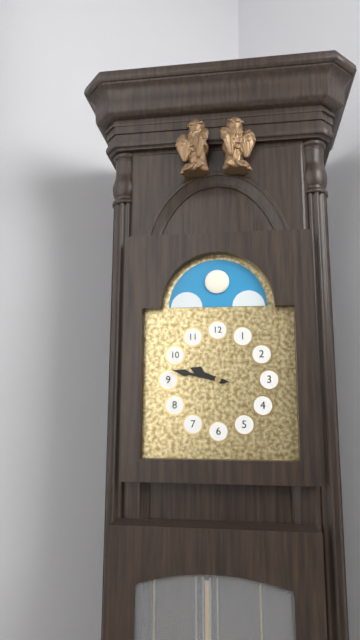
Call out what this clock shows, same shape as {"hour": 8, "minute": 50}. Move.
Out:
{"hour": 9, "minute": 47}
